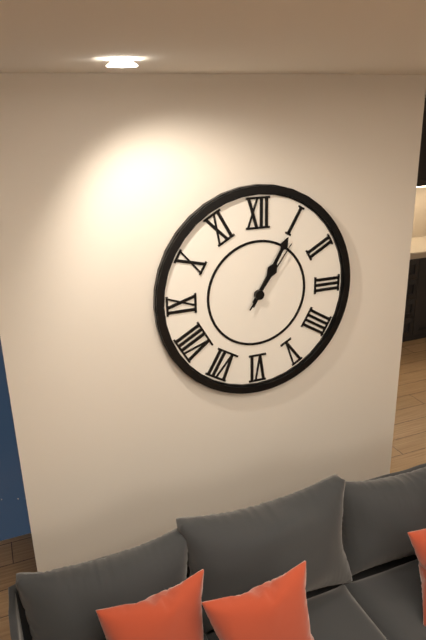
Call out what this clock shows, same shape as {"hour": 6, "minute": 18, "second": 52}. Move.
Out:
{"hour": 1, "minute": 5, "second": 6}
